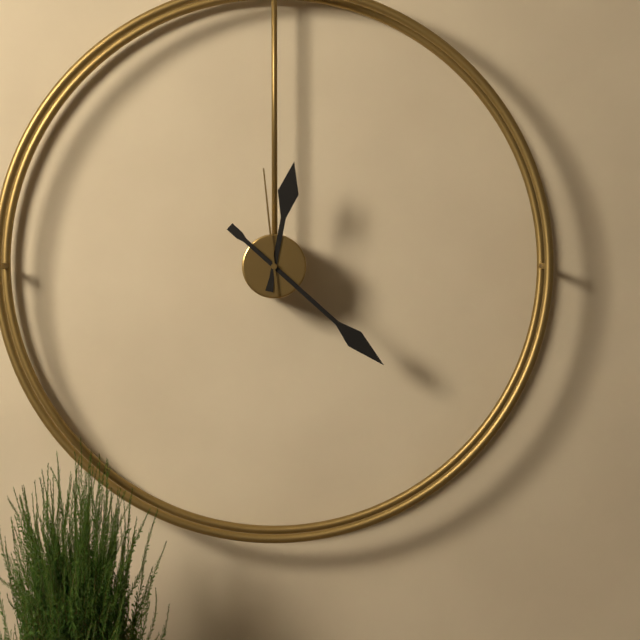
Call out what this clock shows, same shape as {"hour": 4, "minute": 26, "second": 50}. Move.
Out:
{"hour": 12, "minute": 22, "second": 59}
